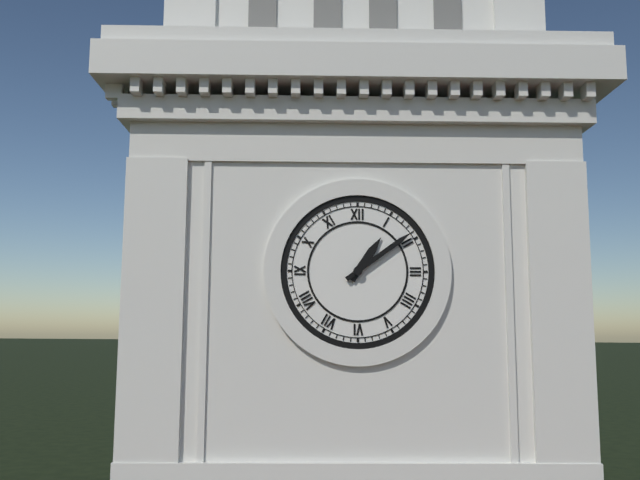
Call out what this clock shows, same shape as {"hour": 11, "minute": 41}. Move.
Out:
{"hour": 1, "minute": 9}
